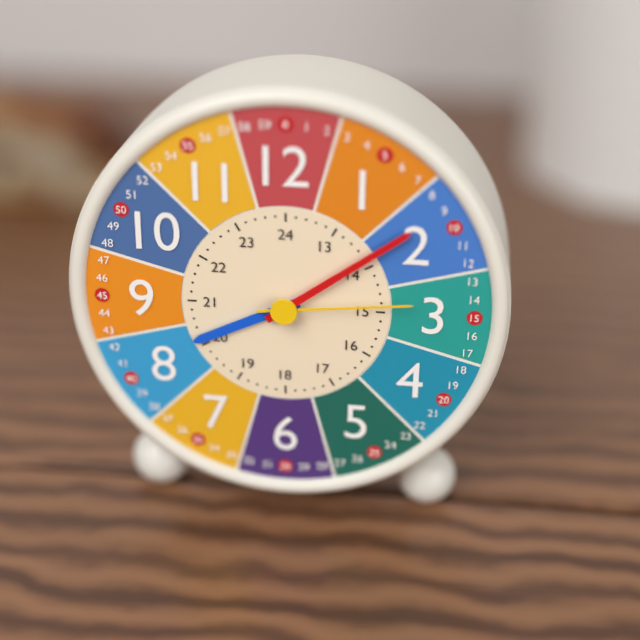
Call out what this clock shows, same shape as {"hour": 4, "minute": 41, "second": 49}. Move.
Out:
{"hour": 8, "minute": 9, "second": 14}
